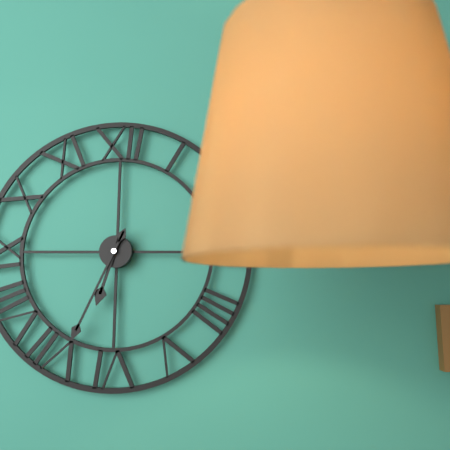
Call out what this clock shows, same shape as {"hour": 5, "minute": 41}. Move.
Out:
{"hour": 6, "minute": 34}
